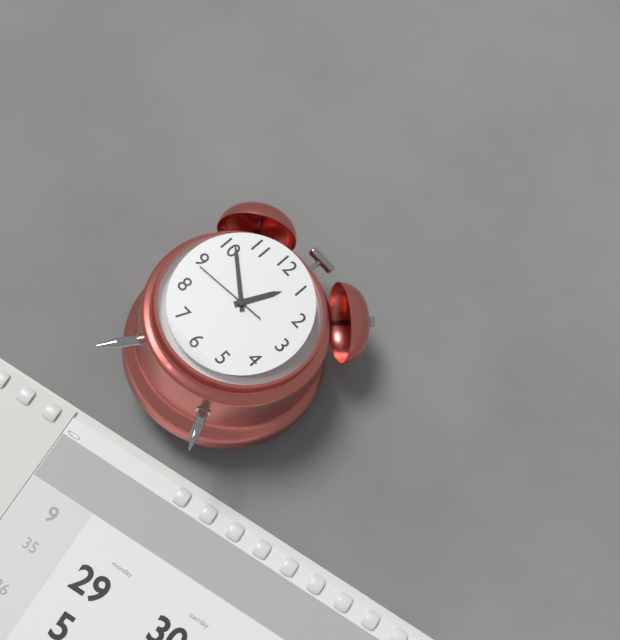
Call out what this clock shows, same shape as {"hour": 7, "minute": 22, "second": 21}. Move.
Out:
{"hour": 12, "minute": 51, "second": 44}
